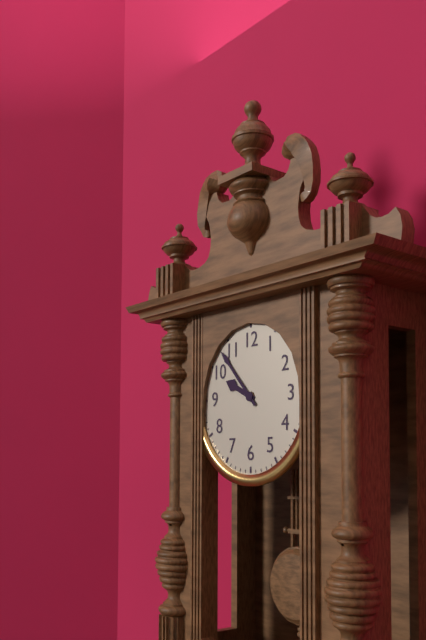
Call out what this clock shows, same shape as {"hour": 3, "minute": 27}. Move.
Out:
{"hour": 9, "minute": 53}
